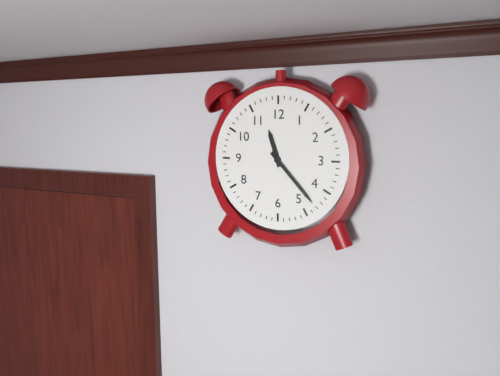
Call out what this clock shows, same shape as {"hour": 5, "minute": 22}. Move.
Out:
{"hour": 11, "minute": 23}
